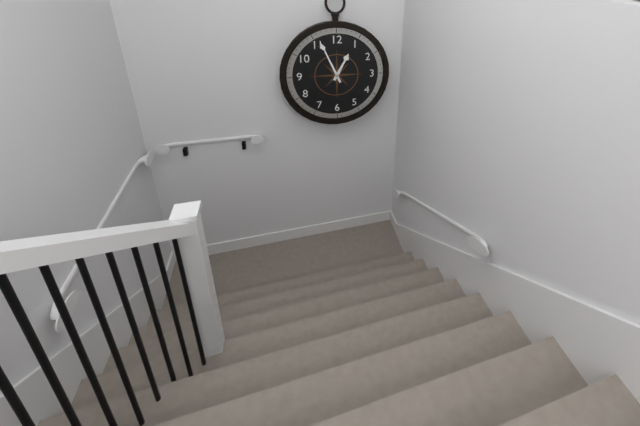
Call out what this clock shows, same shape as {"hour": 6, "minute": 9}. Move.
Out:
{"hour": 12, "minute": 56}
